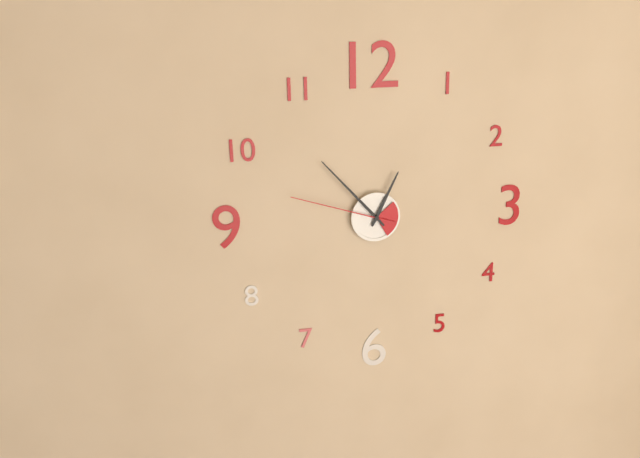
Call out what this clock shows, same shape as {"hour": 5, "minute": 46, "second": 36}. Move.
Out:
{"hour": 12, "minute": 53, "second": 48}
